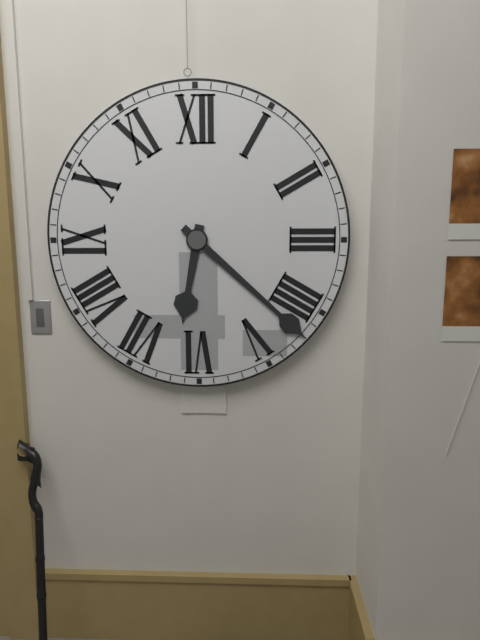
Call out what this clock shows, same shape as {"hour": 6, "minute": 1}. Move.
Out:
{"hour": 6, "minute": 22}
